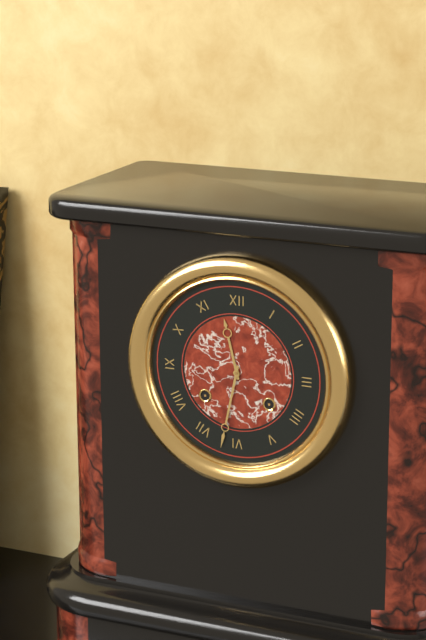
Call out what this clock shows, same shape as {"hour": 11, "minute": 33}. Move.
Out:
{"hour": 11, "minute": 32}
